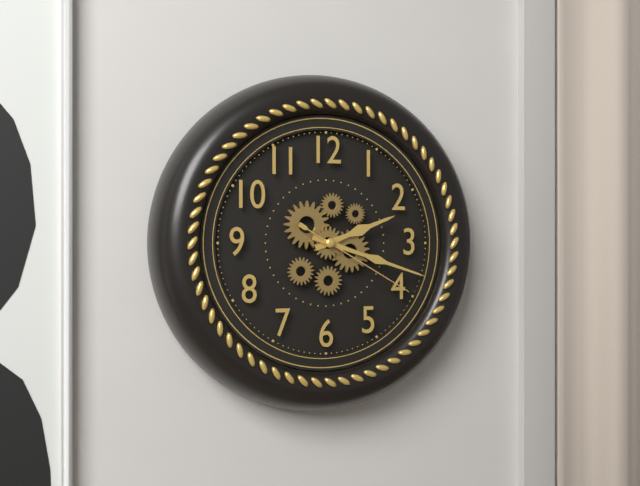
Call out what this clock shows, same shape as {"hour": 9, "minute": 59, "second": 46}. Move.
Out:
{"hour": 2, "minute": 18, "second": 20}
